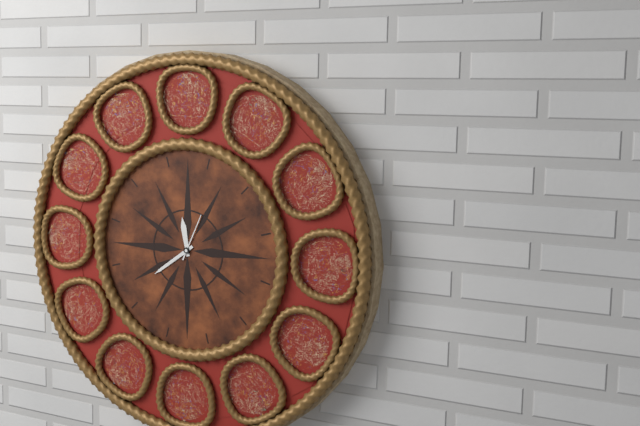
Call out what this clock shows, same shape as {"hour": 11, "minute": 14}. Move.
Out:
{"hour": 11, "minute": 39}
